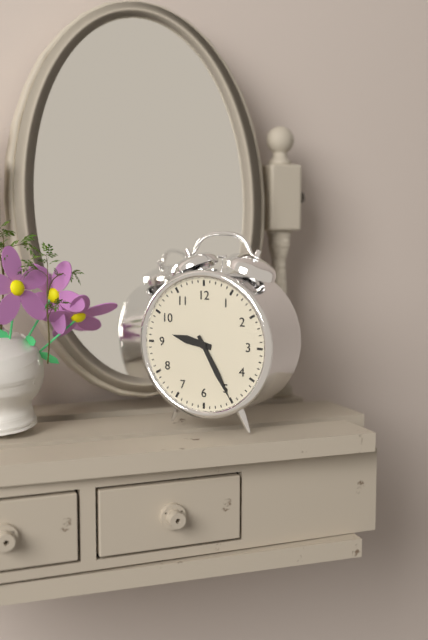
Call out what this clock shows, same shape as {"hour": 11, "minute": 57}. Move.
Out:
{"hour": 9, "minute": 25}
